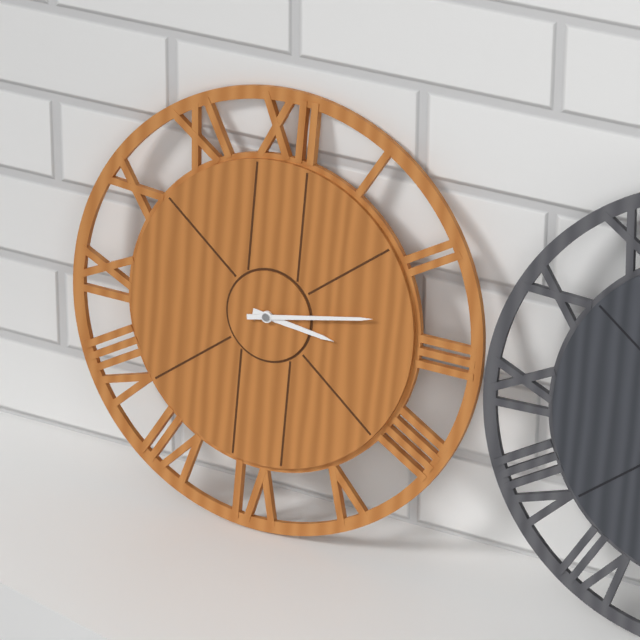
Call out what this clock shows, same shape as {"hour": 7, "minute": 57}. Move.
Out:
{"hour": 3, "minute": 13}
